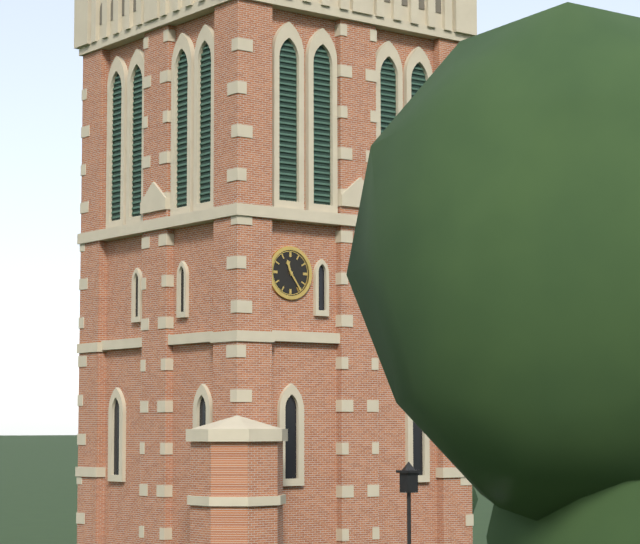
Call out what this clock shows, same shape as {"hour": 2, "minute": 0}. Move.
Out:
{"hour": 11, "minute": 24}
